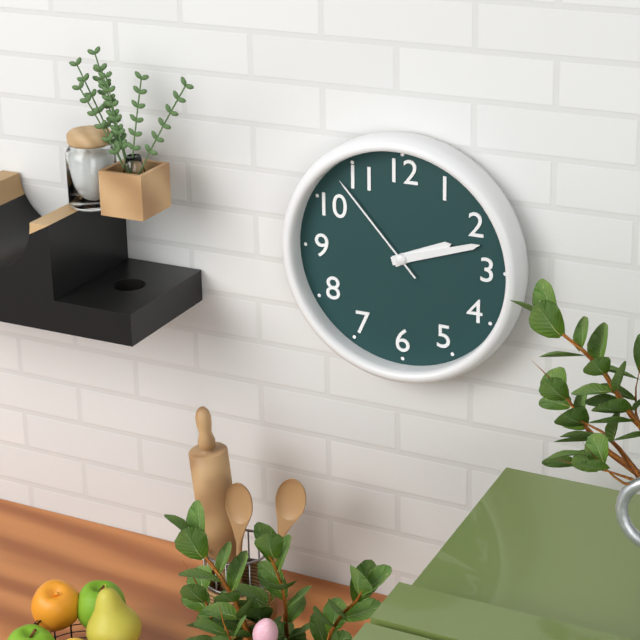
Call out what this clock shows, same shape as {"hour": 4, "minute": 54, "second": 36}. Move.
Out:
{"hour": 2, "minute": 12, "second": 53}
